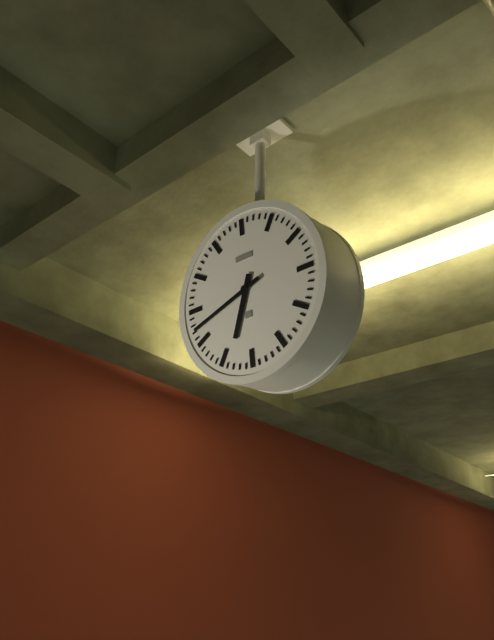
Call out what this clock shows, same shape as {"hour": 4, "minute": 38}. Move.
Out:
{"hour": 6, "minute": 42}
